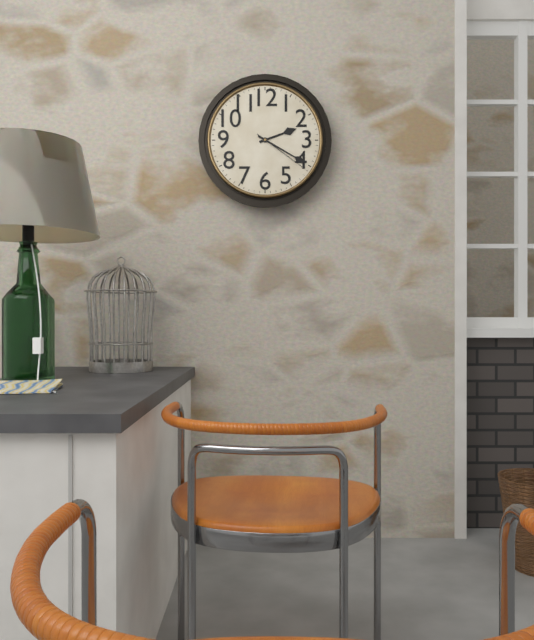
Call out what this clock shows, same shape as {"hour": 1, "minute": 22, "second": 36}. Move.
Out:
{"hour": 2, "minute": 20, "second": 21}
